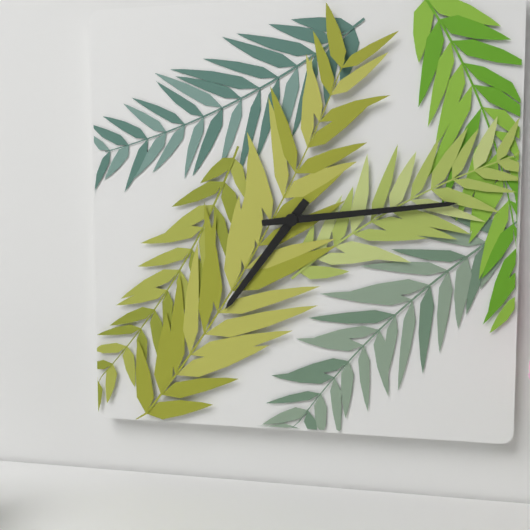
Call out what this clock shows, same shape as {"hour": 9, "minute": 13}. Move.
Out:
{"hour": 7, "minute": 14}
